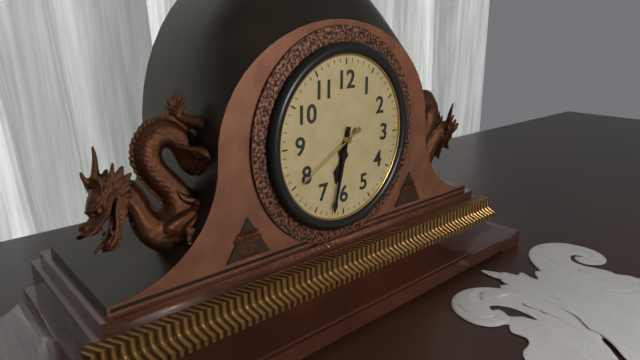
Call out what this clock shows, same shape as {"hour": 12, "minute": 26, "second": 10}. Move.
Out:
{"hour": 6, "minute": 32, "second": 40}
